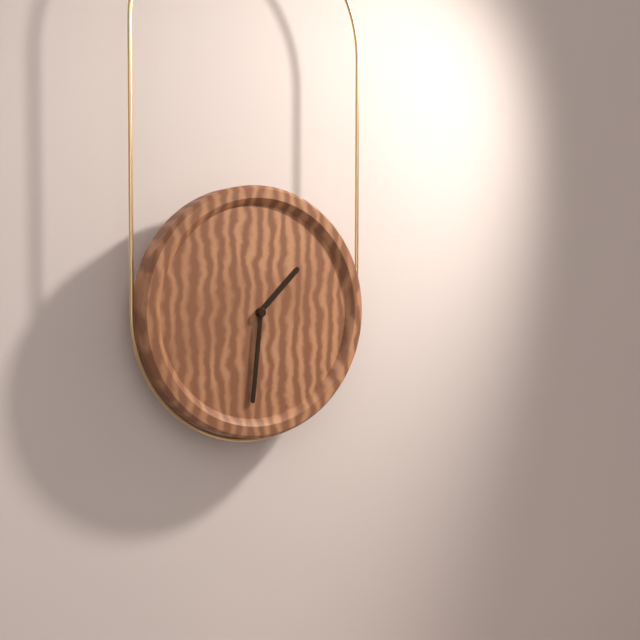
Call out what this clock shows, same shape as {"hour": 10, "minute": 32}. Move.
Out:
{"hour": 1, "minute": 31}
